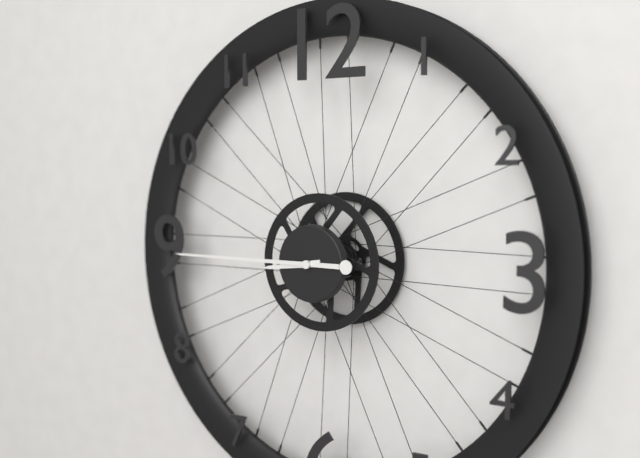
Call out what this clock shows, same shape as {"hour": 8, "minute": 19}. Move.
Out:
{"hour": 8, "minute": 45}
